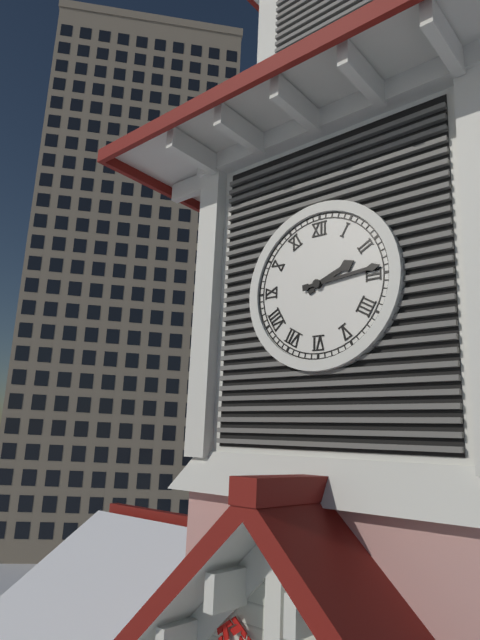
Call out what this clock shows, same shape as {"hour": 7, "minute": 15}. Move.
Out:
{"hour": 2, "minute": 14}
